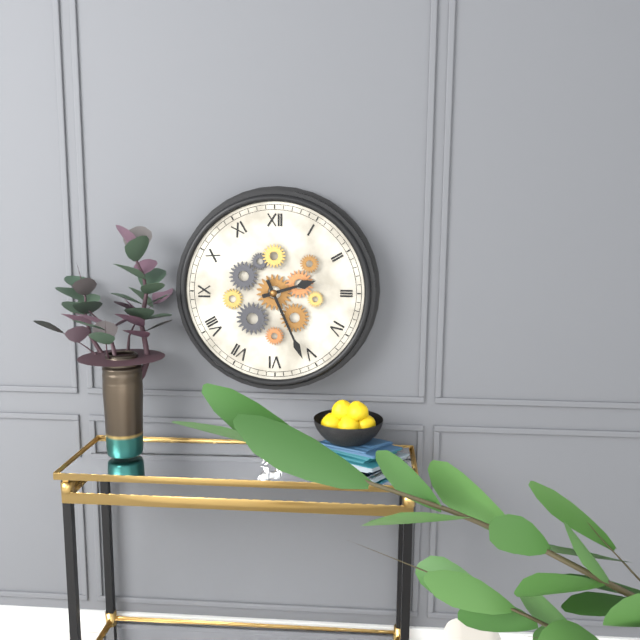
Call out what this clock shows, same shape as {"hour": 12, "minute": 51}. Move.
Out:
{"hour": 2, "minute": 26}
